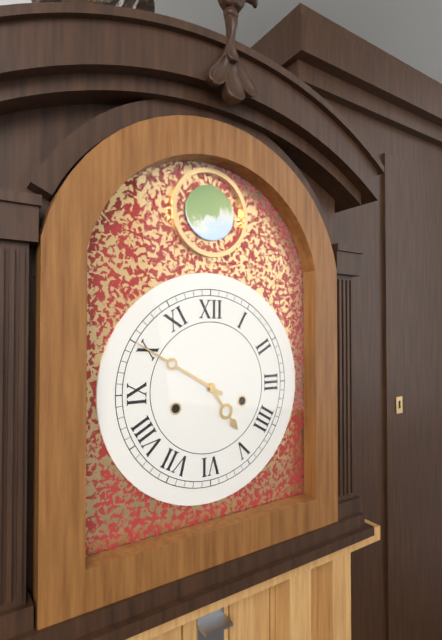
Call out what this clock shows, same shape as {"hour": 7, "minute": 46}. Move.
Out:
{"hour": 4, "minute": 50}
